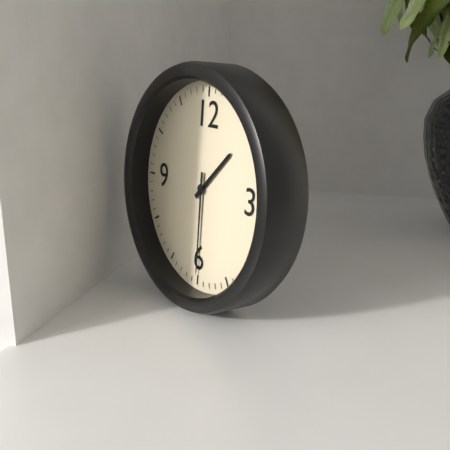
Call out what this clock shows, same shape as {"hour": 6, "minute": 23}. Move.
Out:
{"hour": 1, "minute": 30}
